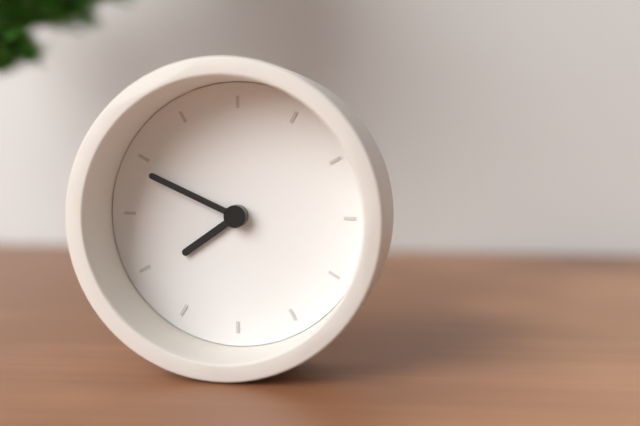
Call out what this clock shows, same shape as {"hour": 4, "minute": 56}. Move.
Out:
{"hour": 7, "minute": 49}
